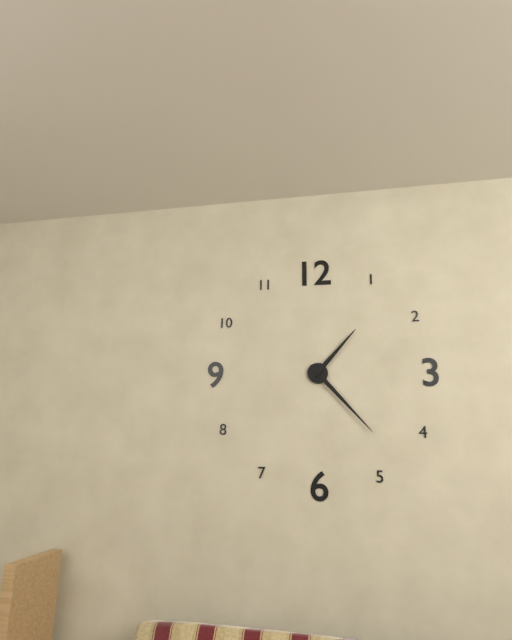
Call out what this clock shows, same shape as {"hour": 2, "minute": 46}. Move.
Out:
{"hour": 1, "minute": 23}
